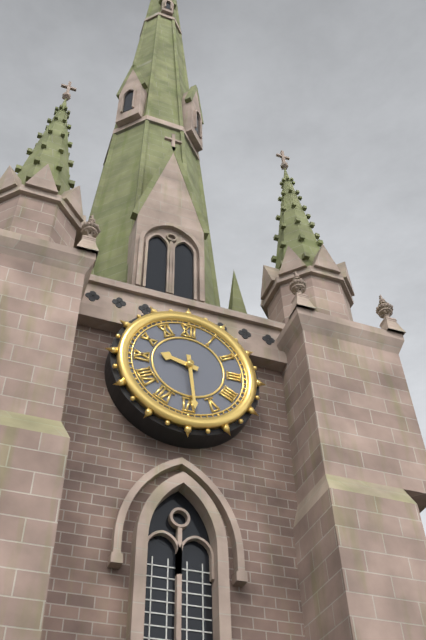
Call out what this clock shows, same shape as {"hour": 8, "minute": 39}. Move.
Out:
{"hour": 9, "minute": 29}
